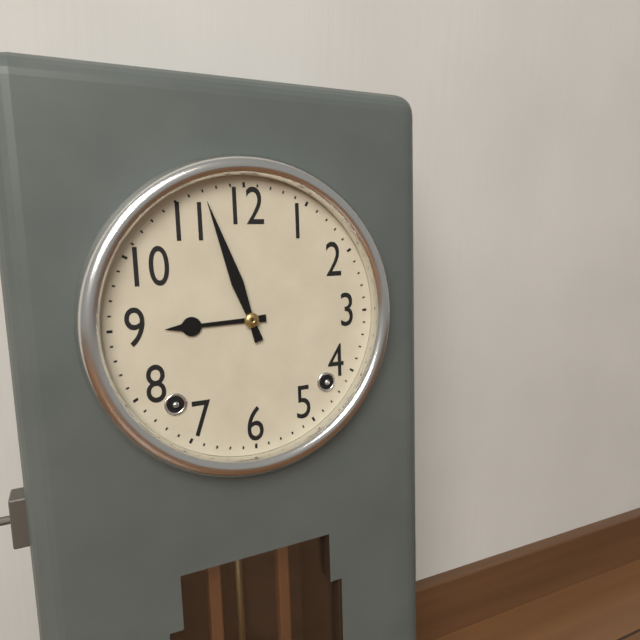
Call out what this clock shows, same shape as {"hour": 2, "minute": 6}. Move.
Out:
{"hour": 8, "minute": 57}
